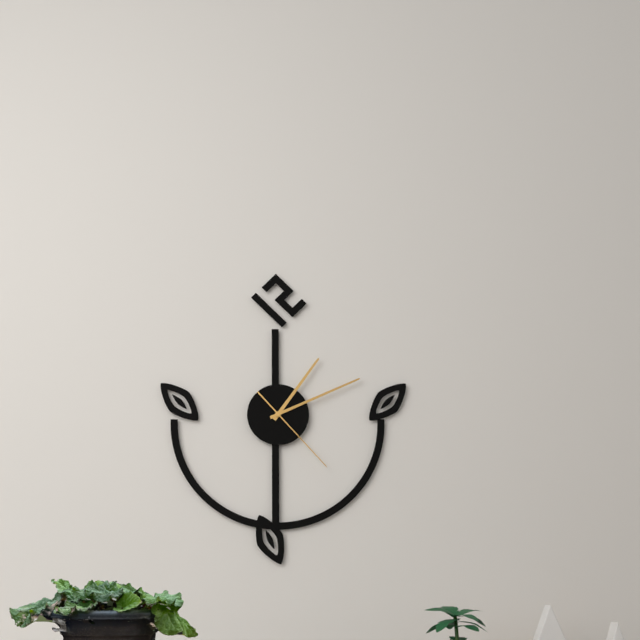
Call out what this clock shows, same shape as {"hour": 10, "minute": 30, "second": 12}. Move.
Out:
{"hour": 1, "minute": 11, "second": 23}
